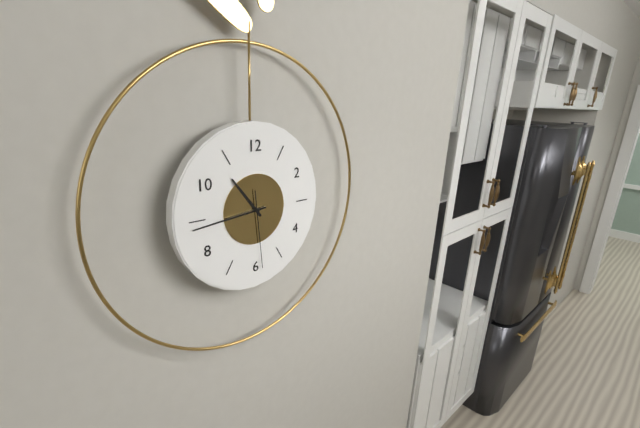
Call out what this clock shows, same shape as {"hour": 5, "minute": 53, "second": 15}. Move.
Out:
{"hour": 10, "minute": 44, "second": 29}
